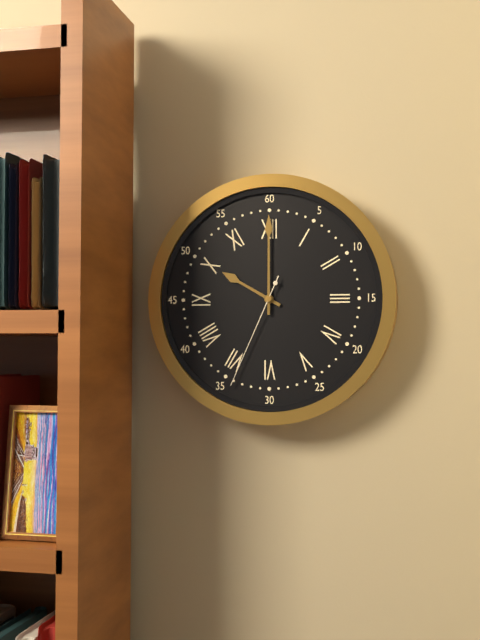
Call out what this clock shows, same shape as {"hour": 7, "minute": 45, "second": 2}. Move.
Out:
{"hour": 10, "minute": 0, "second": 34}
